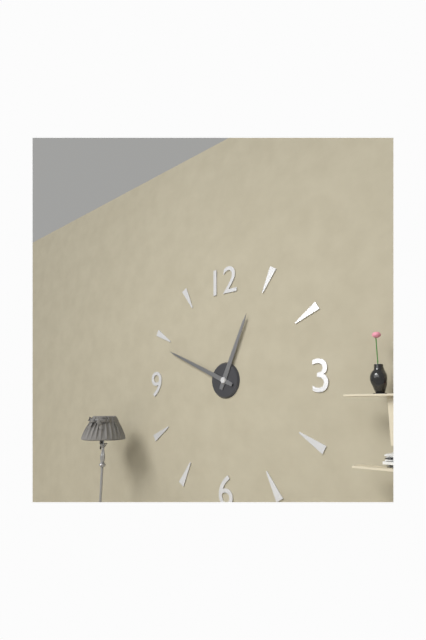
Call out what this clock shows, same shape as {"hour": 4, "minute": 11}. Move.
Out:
{"hour": 12, "minute": 49}
